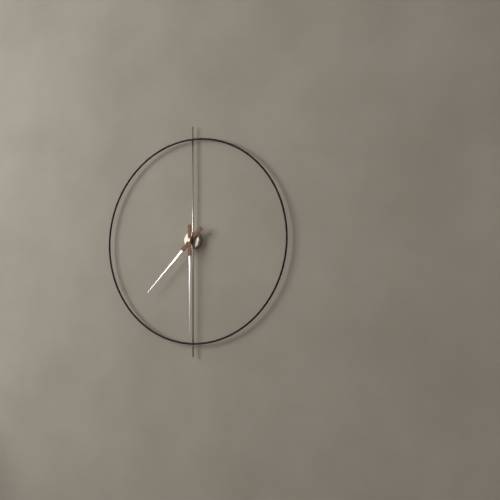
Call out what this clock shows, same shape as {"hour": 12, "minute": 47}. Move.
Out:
{"hour": 7, "minute": 30}
